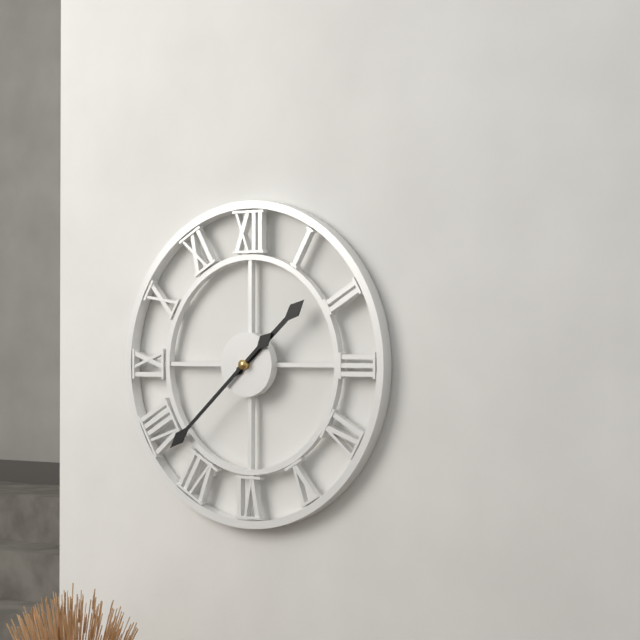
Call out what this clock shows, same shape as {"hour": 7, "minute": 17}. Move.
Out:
{"hour": 1, "minute": 38}
